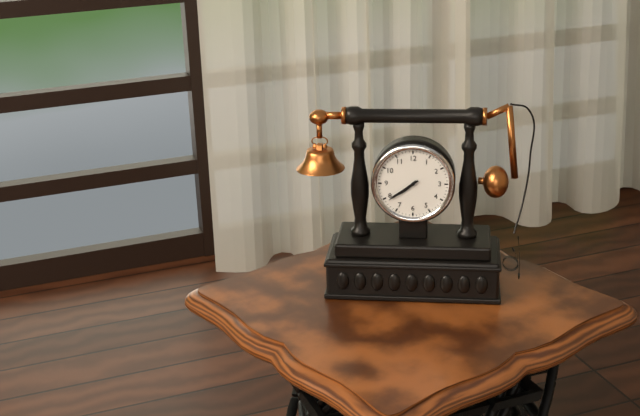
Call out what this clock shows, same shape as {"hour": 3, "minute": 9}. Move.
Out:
{"hour": 7, "minute": 39}
